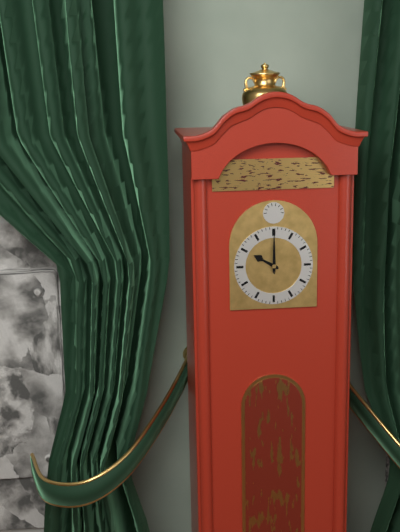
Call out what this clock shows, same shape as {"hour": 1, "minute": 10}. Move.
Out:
{"hour": 10, "minute": 0}
